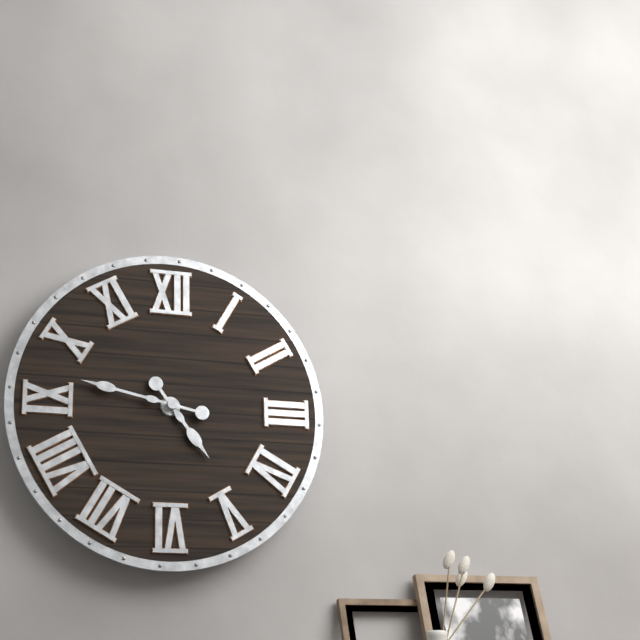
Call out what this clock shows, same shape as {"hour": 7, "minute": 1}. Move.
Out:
{"hour": 4, "minute": 47}
